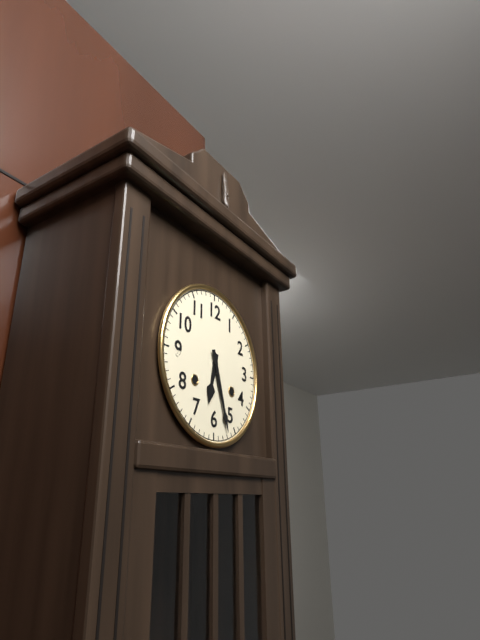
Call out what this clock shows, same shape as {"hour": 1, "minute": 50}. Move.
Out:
{"hour": 6, "minute": 27}
